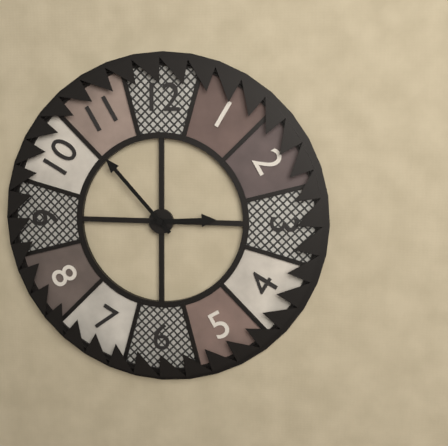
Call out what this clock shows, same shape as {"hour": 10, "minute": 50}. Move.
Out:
{"hour": 2, "minute": 53}
